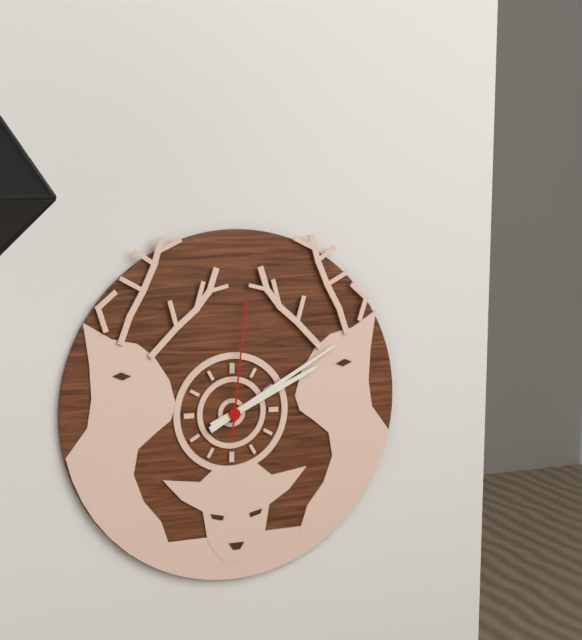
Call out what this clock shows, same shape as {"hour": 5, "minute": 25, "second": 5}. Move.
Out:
{"hour": 2, "minute": 10, "second": 1}
